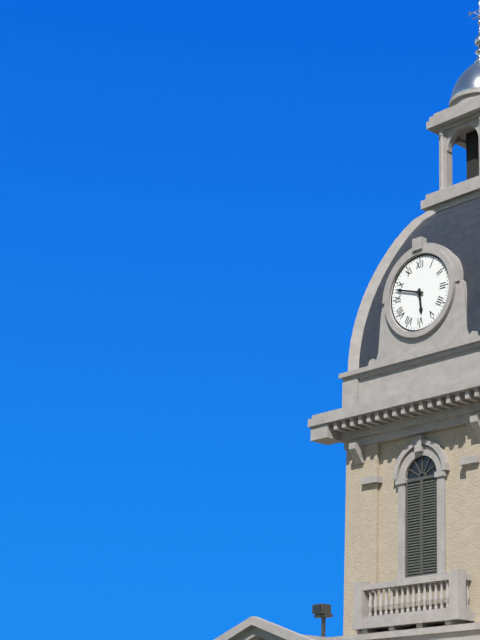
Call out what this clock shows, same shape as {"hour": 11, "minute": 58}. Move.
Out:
{"hour": 5, "minute": 48}
